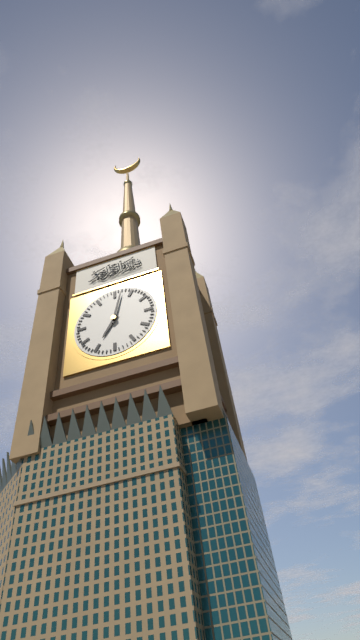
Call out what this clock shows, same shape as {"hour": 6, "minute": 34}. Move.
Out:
{"hour": 7, "minute": 2}
